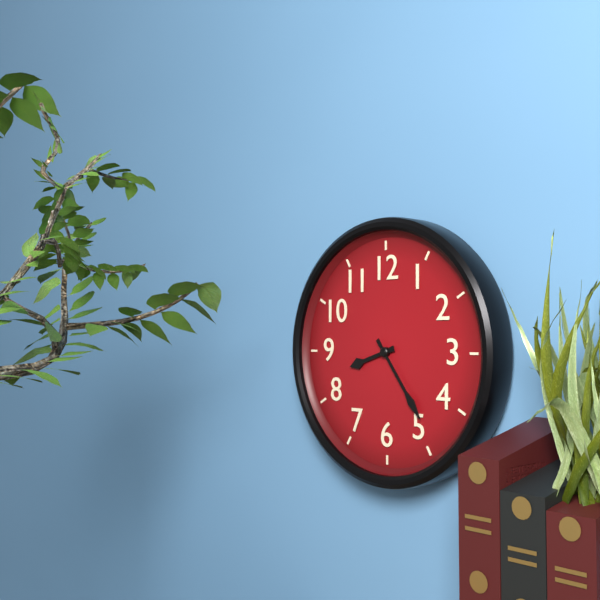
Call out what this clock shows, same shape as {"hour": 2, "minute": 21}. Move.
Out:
{"hour": 8, "minute": 24}
